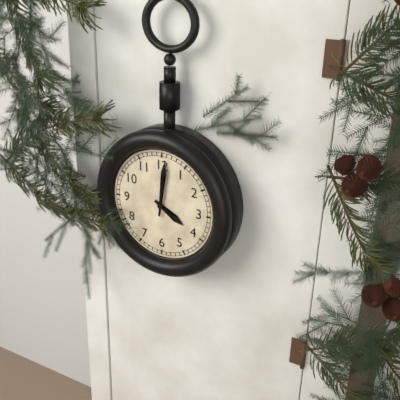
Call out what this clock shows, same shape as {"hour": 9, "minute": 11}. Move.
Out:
{"hour": 4, "minute": 1}
